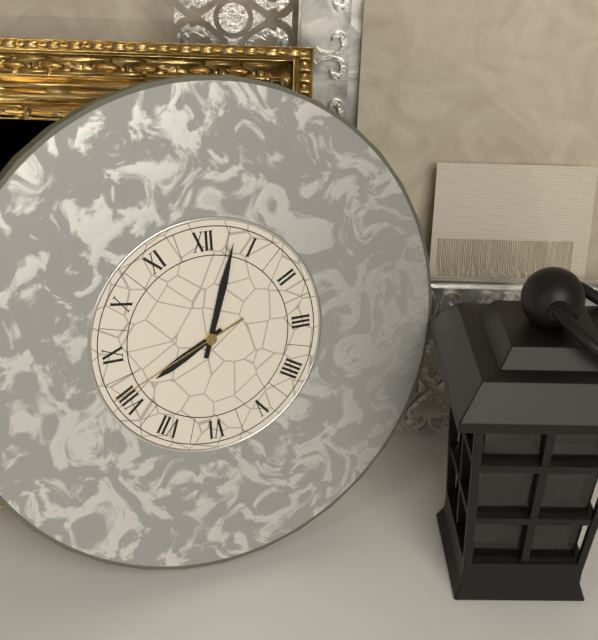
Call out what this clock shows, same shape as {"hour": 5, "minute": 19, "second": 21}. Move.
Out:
{"hour": 8, "minute": 3, "second": 41}
